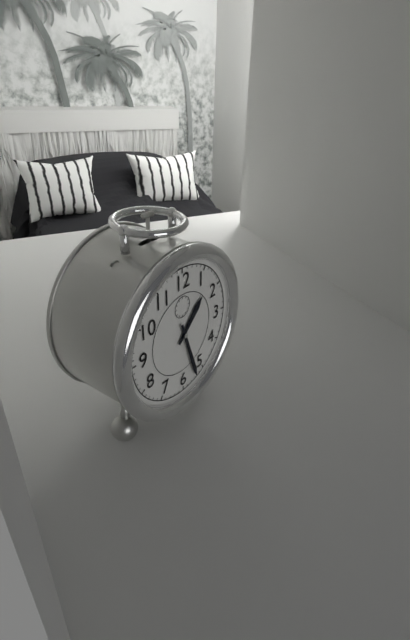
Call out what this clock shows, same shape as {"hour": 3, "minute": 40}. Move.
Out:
{"hour": 1, "minute": 27}
